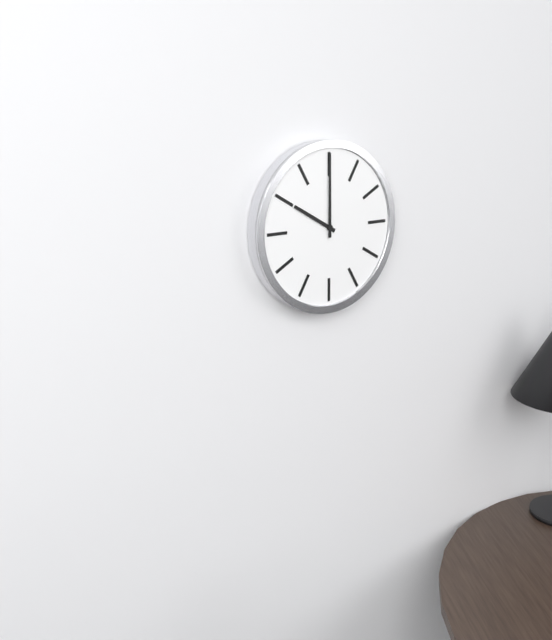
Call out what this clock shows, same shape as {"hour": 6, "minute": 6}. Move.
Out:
{"hour": 10, "minute": 0}
